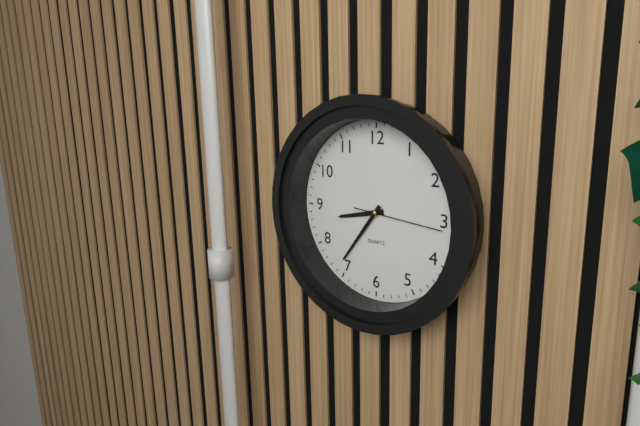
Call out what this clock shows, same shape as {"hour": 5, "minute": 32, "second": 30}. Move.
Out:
{"hour": 8, "minute": 36, "second": 16}
